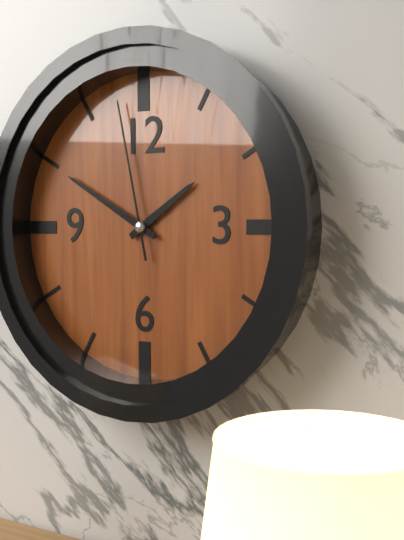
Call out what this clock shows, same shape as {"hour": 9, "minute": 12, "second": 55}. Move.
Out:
{"hour": 1, "minute": 50, "second": 58}
